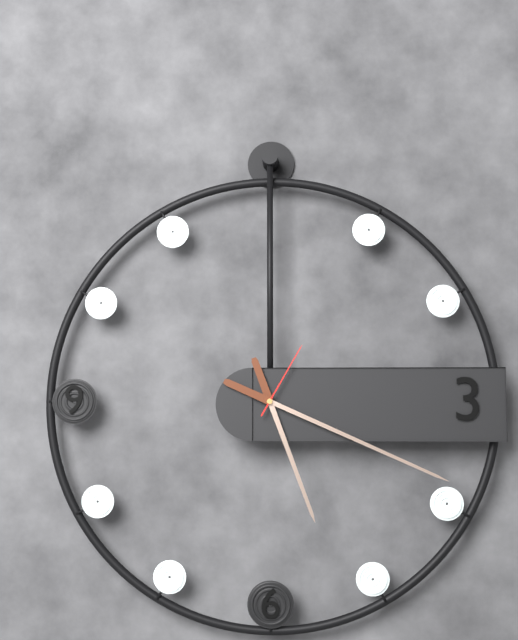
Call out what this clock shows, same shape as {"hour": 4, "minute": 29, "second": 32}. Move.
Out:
{"hour": 5, "minute": 19, "second": 5}
